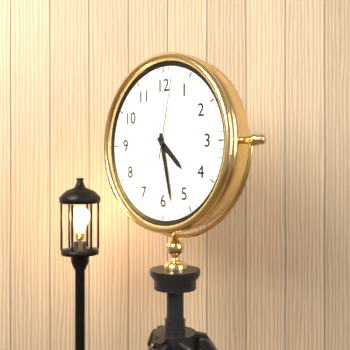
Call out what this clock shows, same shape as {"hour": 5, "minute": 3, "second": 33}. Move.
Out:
{"hour": 4, "minute": 28, "second": 2}
